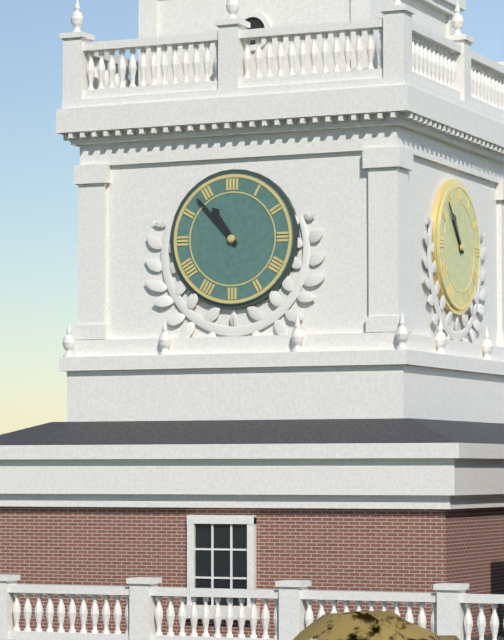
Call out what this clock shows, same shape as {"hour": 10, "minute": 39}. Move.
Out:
{"hour": 10, "minute": 53}
